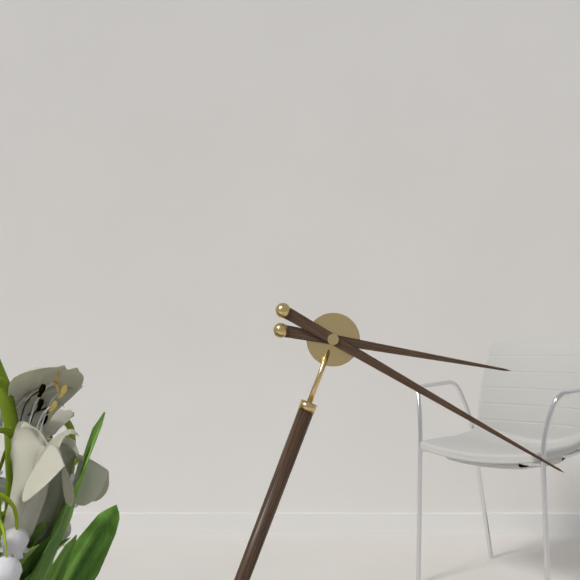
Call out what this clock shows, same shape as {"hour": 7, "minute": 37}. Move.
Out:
{"hour": 3, "minute": 20}
